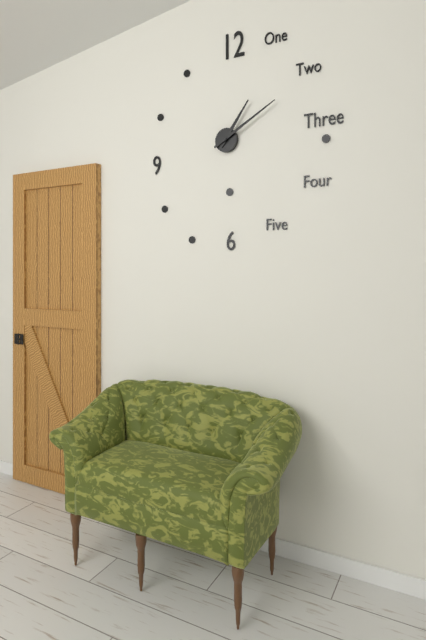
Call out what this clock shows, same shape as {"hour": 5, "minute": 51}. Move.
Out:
{"hour": 1, "minute": 10}
